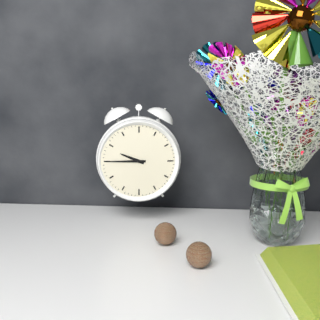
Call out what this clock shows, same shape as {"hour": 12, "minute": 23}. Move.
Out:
{"hour": 9, "minute": 45}
